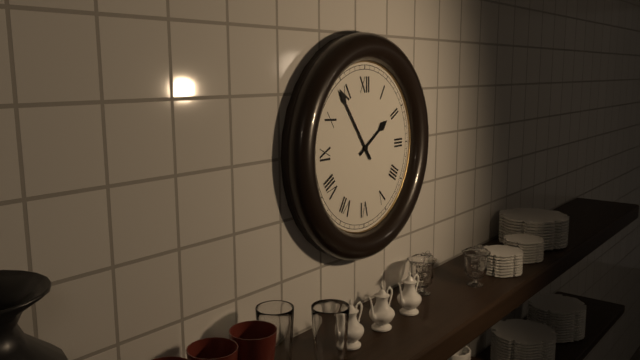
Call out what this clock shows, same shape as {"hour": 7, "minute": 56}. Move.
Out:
{"hour": 1, "minute": 54}
